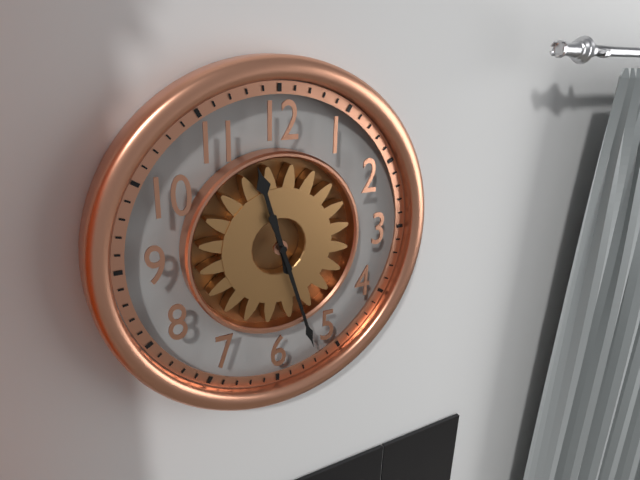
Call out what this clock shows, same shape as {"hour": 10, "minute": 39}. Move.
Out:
{"hour": 11, "minute": 27}
